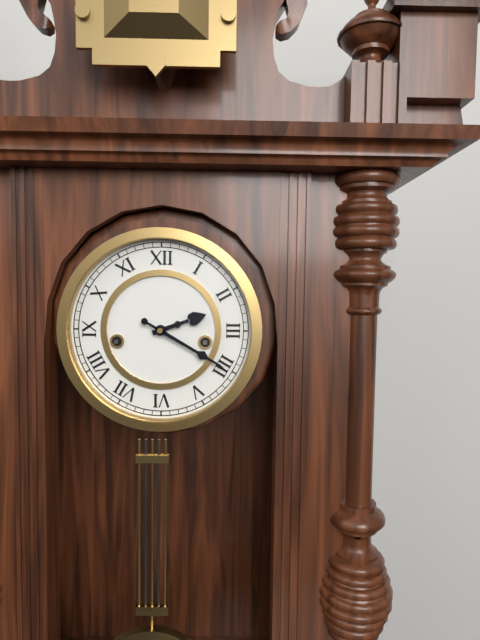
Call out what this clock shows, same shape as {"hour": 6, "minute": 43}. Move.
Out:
{"hour": 2, "minute": 20}
